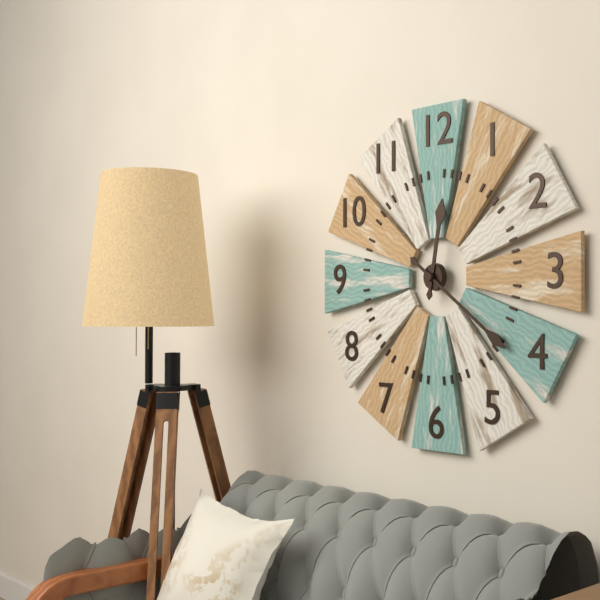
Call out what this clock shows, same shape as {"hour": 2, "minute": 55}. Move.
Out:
{"hour": 12, "minute": 21}
